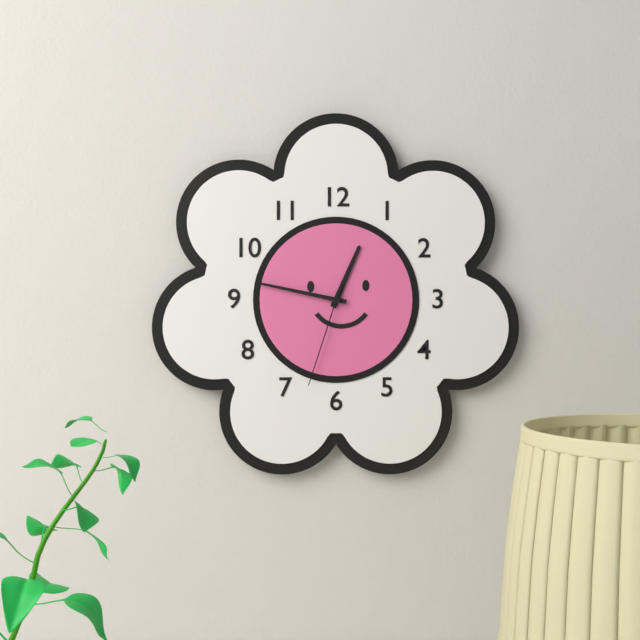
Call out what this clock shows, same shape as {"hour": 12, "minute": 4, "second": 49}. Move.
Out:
{"hour": 12, "minute": 47, "second": 33}
